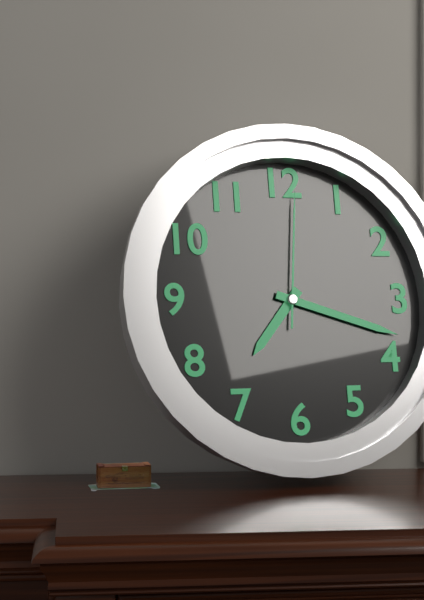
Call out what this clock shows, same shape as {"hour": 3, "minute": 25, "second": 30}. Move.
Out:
{"hour": 7, "minute": 18, "second": 1}
